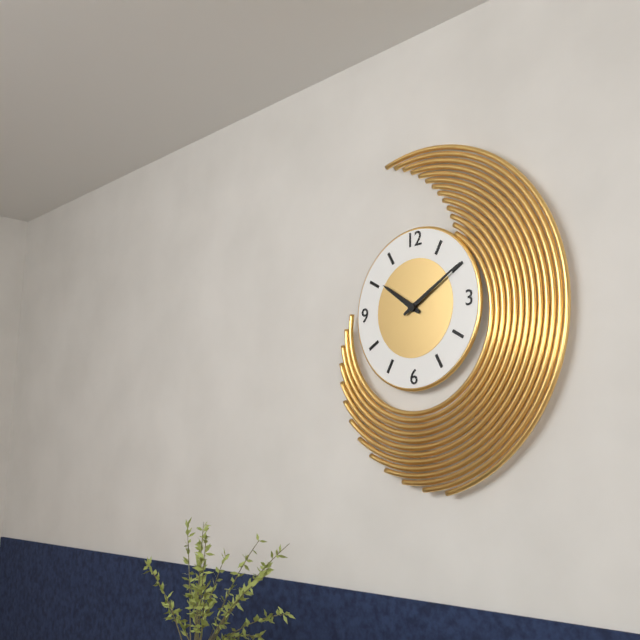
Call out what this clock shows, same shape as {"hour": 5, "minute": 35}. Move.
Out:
{"hour": 10, "minute": 10}
